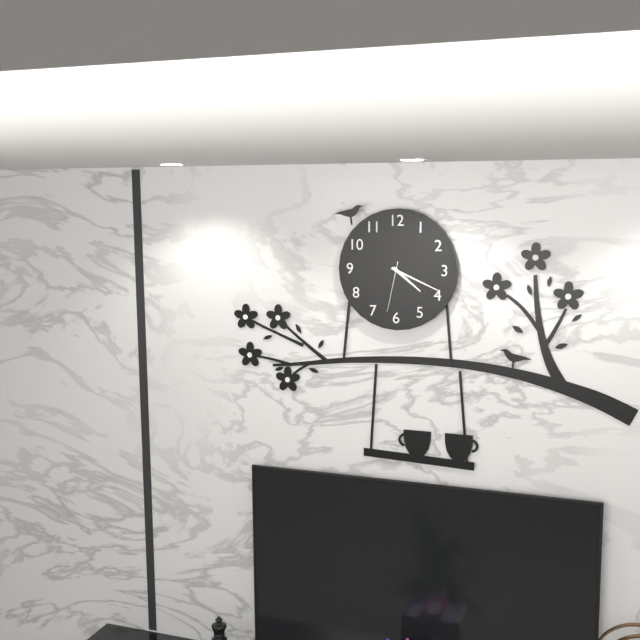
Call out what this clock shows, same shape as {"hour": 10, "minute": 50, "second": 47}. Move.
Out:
{"hour": 4, "minute": 19, "second": 32}
